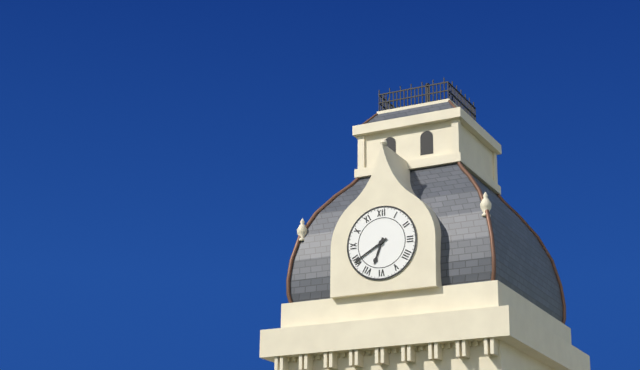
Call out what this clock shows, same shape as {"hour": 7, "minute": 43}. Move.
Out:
{"hour": 6, "minute": 40}
